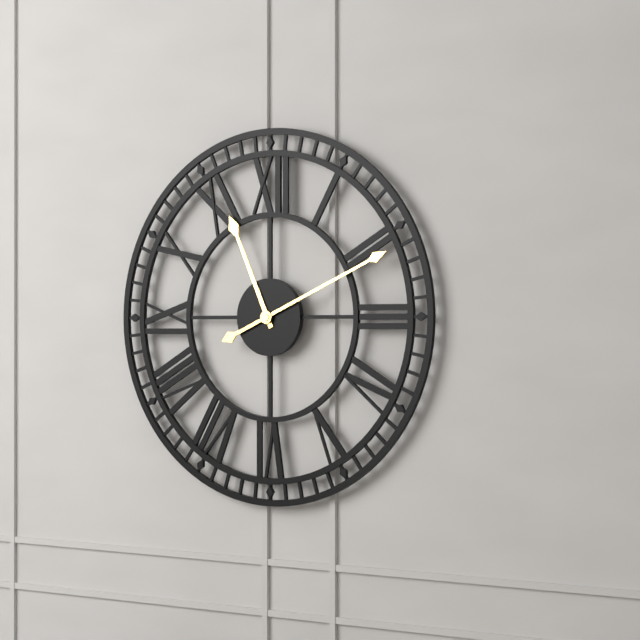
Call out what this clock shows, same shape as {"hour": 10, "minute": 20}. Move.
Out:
{"hour": 11, "minute": 11}
